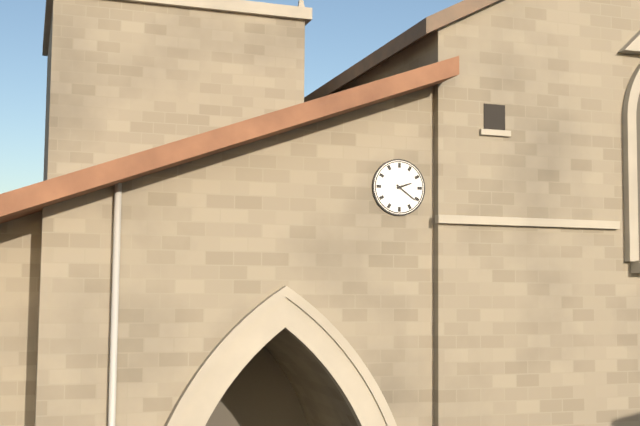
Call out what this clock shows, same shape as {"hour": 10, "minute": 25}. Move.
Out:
{"hour": 2, "minute": 21}
